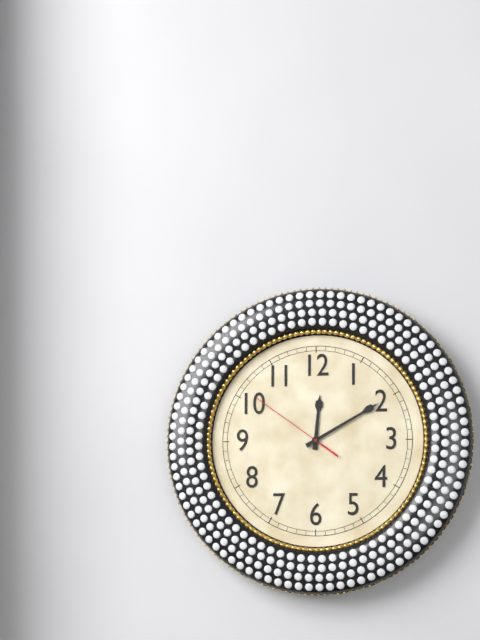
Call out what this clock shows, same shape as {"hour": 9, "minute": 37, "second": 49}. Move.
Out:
{"hour": 12, "minute": 10, "second": 51}
